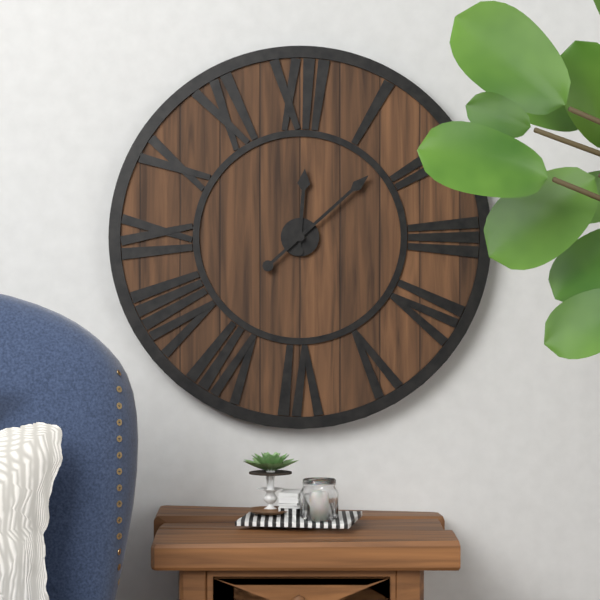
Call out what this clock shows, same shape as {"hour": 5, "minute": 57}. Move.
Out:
{"hour": 12, "minute": 8}
